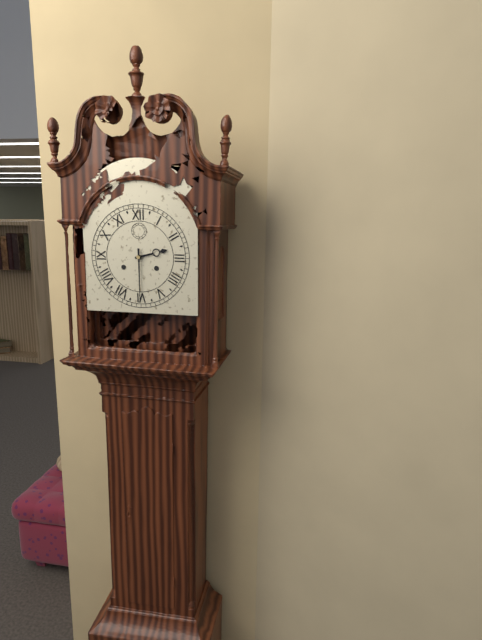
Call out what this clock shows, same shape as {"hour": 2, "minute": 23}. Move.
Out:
{"hour": 2, "minute": 30}
